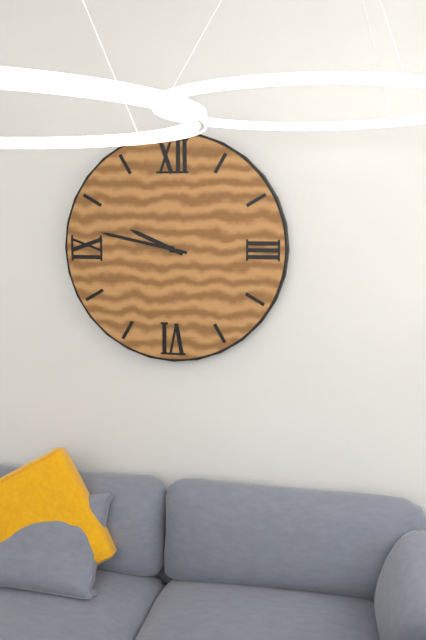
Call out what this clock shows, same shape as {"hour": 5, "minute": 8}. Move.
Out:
{"hour": 9, "minute": 47}
